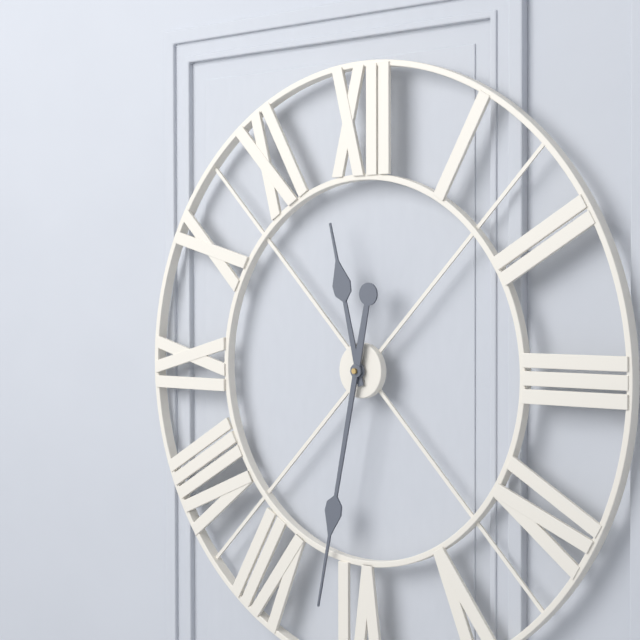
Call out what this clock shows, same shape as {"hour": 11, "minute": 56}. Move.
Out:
{"hour": 11, "minute": 32}
